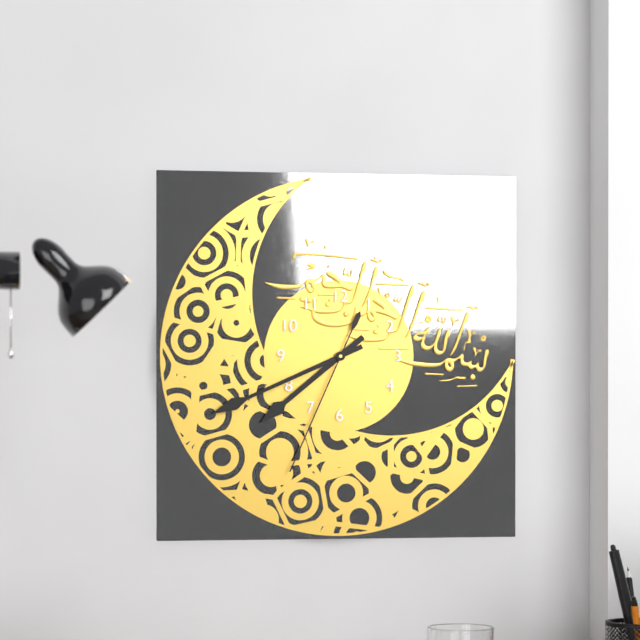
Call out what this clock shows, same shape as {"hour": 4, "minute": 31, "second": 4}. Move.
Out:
{"hour": 7, "minute": 41, "second": 34}
